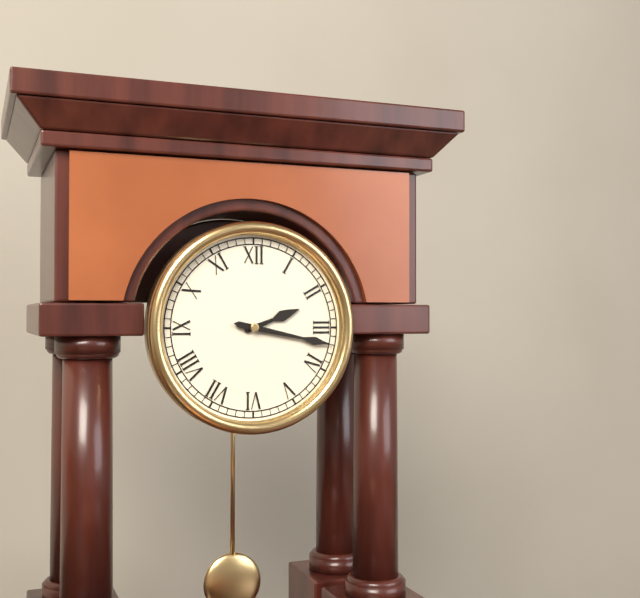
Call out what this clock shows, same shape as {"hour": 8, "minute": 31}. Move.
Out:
{"hour": 2, "minute": 17}
